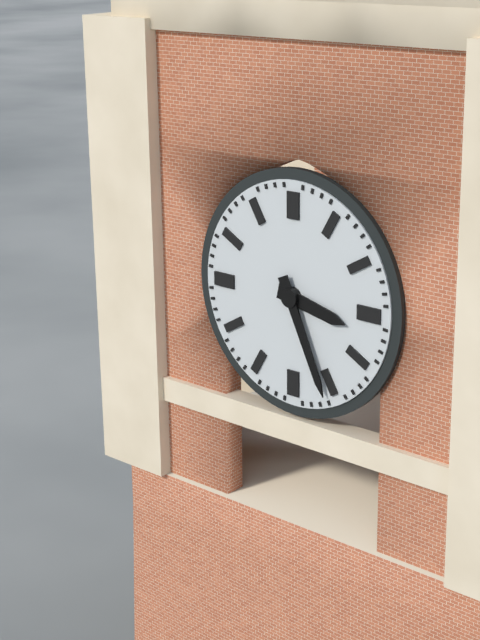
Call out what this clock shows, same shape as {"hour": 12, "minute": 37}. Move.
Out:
{"hour": 3, "minute": 26}
